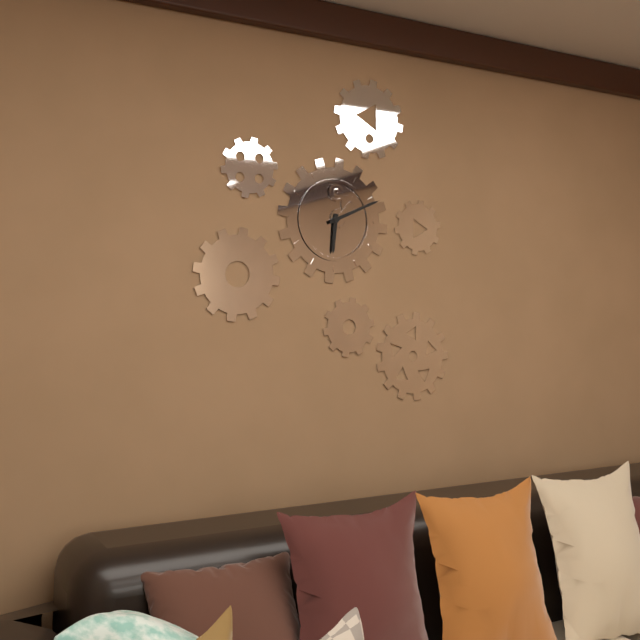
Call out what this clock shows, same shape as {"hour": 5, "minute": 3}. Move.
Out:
{"hour": 6, "minute": 11}
